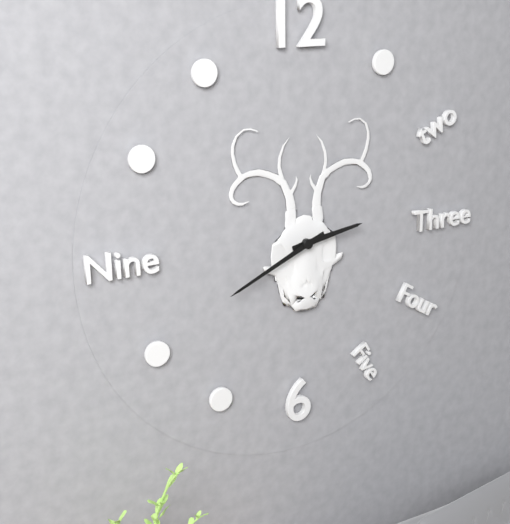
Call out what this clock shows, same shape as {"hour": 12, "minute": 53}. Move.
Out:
{"hour": 2, "minute": 41}
